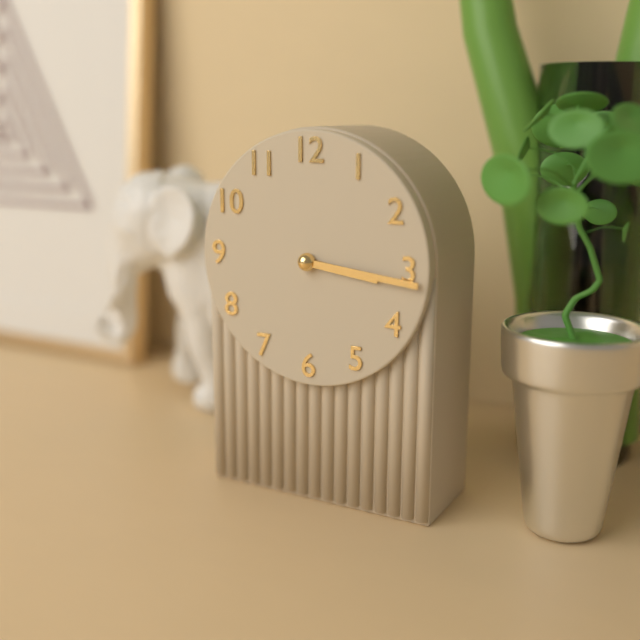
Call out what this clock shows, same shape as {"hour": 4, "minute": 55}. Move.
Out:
{"hour": 3, "minute": 16}
